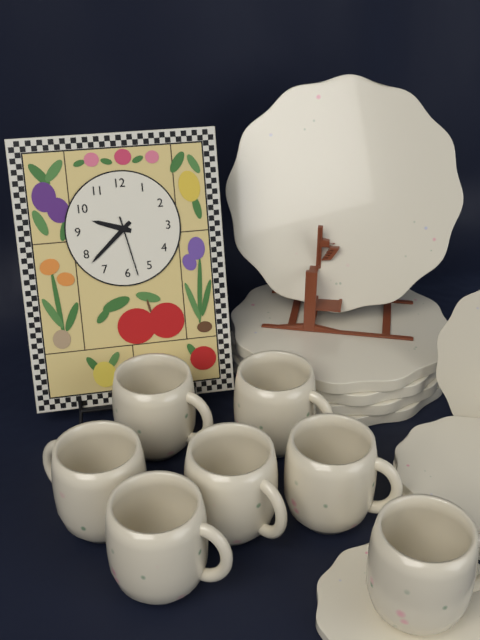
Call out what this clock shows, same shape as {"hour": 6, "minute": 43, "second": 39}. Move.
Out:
{"hour": 9, "minute": 38, "second": 28}
